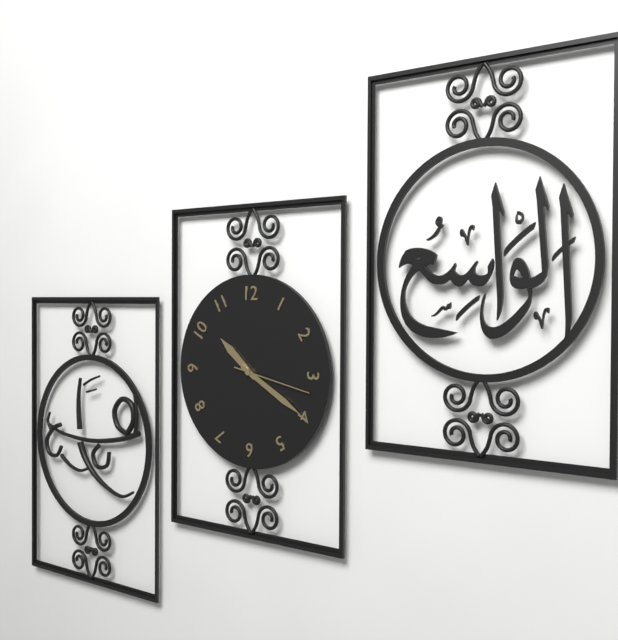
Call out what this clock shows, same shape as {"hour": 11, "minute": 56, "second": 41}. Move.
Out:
{"hour": 10, "minute": 20, "second": 17}
